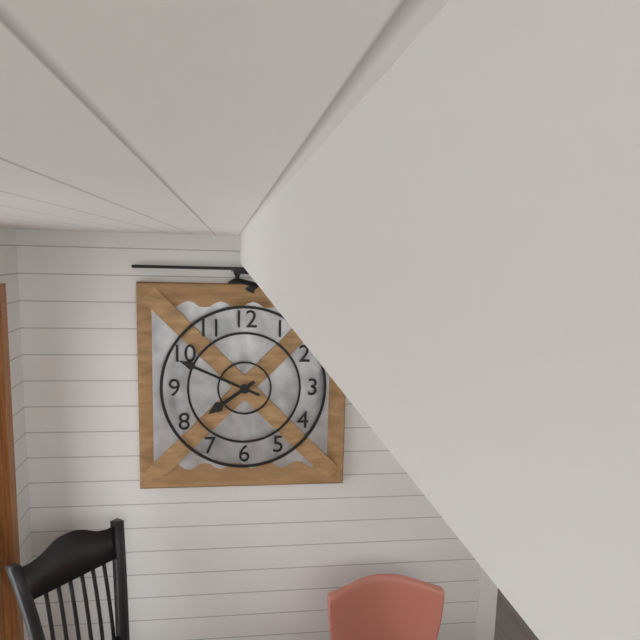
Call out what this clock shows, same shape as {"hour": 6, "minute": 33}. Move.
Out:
{"hour": 7, "minute": 49}
